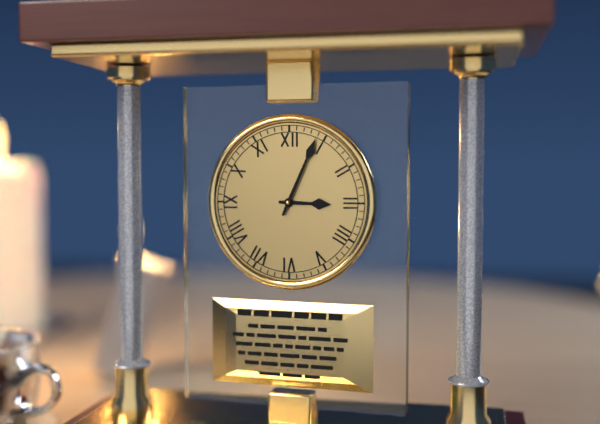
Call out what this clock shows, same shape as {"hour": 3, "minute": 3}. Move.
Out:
{"hour": 3, "minute": 4}
